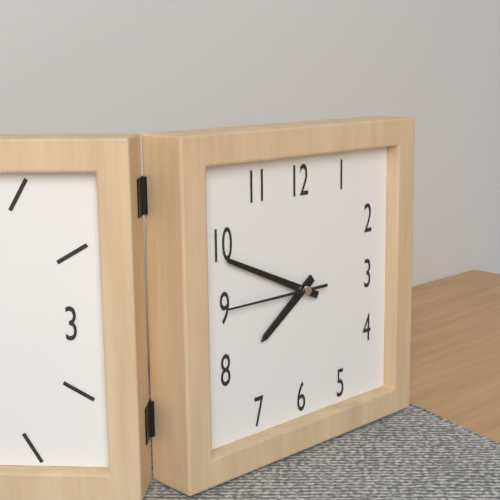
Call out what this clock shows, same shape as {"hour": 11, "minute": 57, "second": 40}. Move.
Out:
{"hour": 7, "minute": 49, "second": 45}
